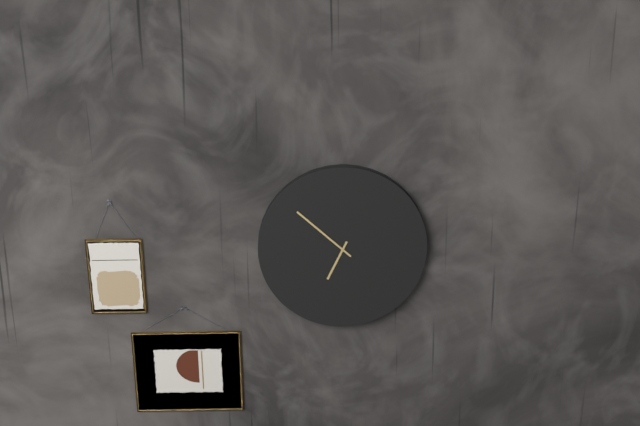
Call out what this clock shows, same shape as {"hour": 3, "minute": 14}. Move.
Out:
{"hour": 6, "minute": 52}
